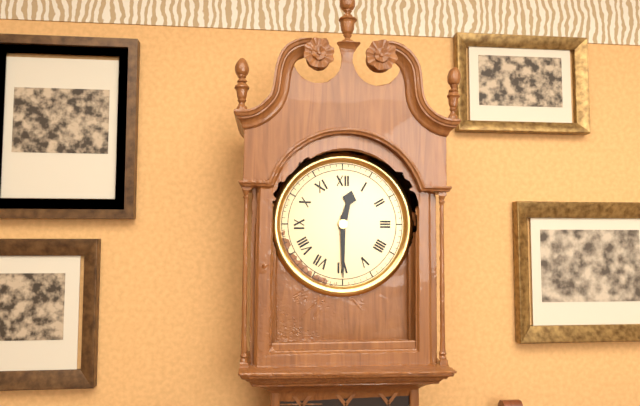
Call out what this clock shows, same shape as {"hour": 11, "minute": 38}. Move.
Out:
{"hour": 12, "minute": 30}
